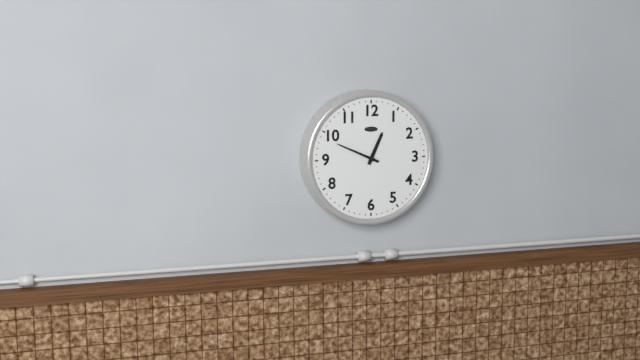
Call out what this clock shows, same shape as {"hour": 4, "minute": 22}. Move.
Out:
{"hour": 12, "minute": 49}
